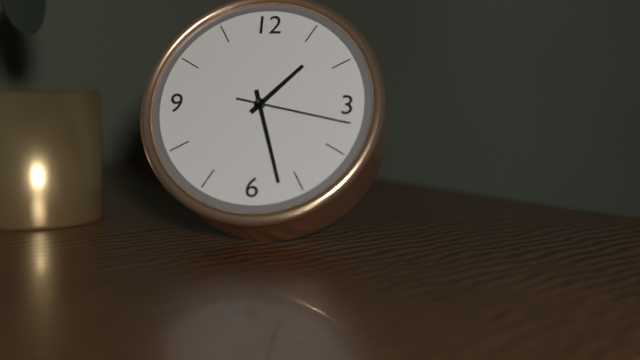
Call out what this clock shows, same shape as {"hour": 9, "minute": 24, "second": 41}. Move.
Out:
{"hour": 1, "minute": 27, "second": 17}
